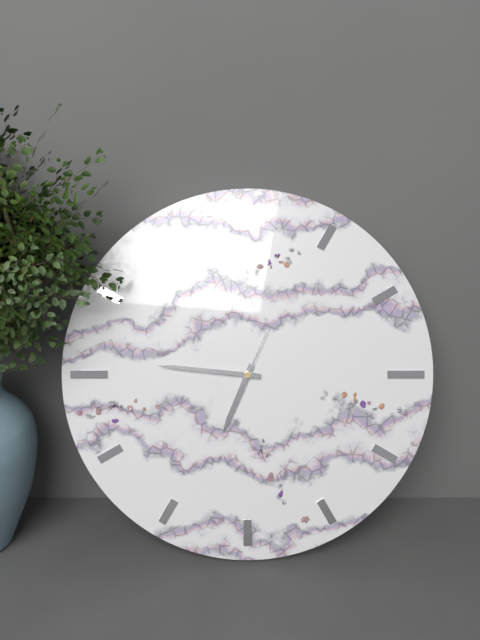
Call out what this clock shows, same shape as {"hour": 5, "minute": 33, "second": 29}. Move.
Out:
{"hour": 6, "minute": 46, "second": 4}
